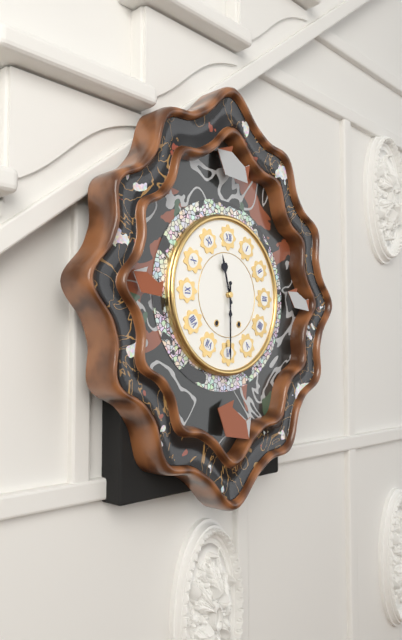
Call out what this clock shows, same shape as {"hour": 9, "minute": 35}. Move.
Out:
{"hour": 11, "minute": 30}
